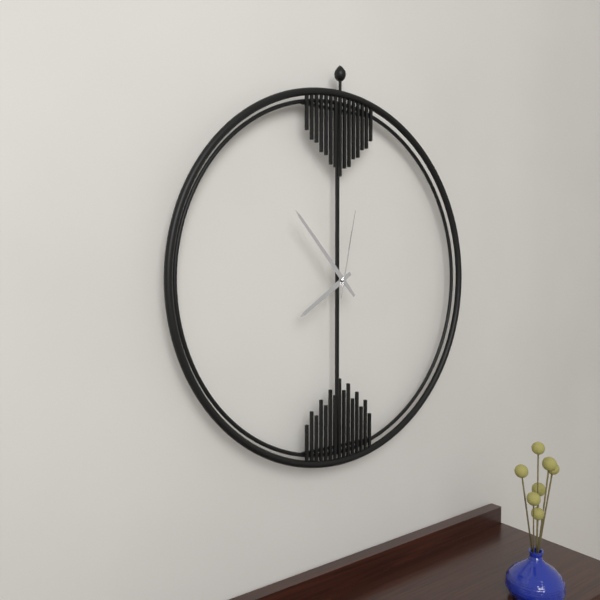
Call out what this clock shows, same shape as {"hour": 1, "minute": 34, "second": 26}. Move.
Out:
{"hour": 7, "minute": 53, "second": 2}
